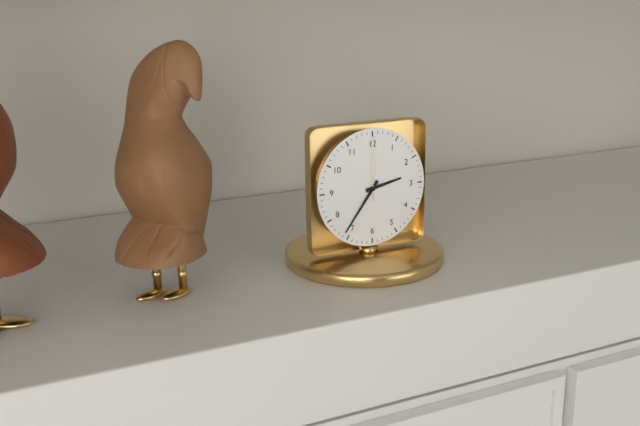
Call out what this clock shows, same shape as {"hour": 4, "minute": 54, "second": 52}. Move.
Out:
{"hour": 2, "minute": 36, "second": 0}
